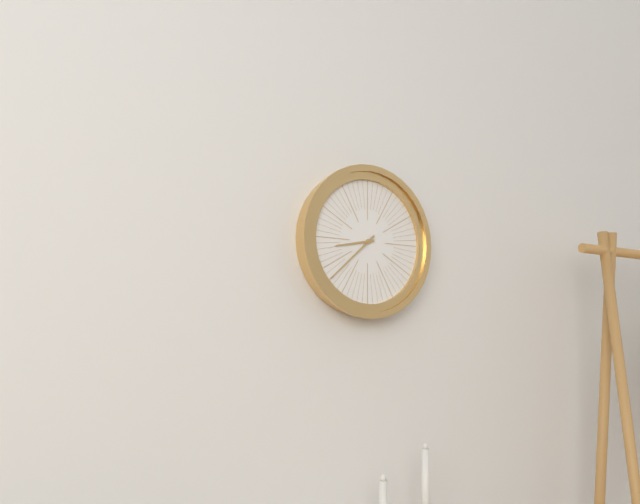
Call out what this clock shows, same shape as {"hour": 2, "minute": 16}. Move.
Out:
{"hour": 8, "minute": 38}
